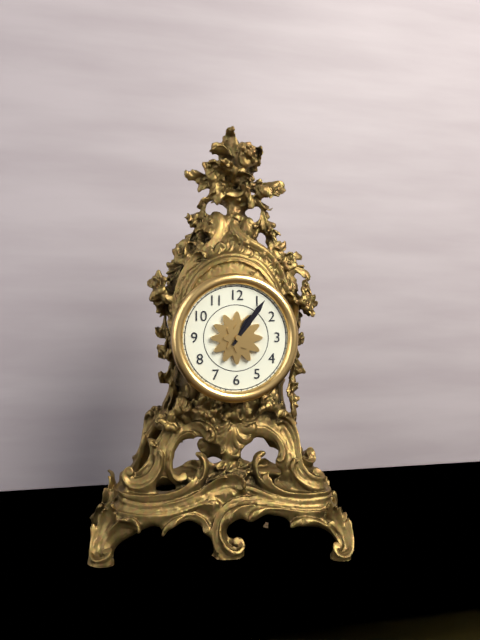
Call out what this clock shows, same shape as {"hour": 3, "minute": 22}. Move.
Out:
{"hour": 1, "minute": 6}
